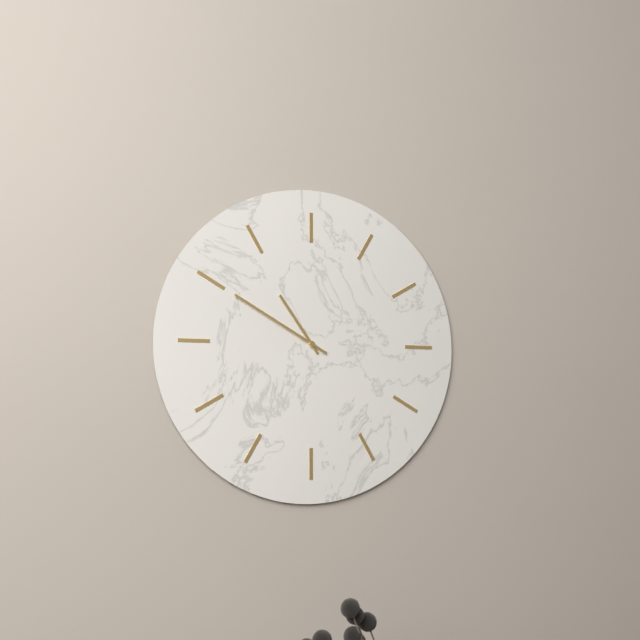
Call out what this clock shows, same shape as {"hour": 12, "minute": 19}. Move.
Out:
{"hour": 10, "minute": 50}
